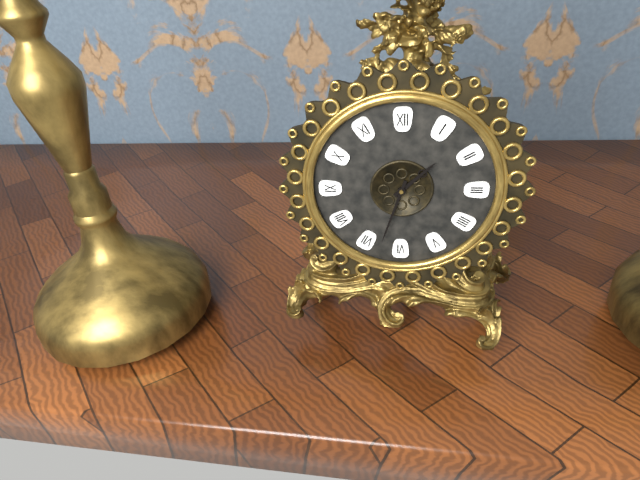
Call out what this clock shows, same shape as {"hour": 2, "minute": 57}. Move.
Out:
{"hour": 1, "minute": 33}
